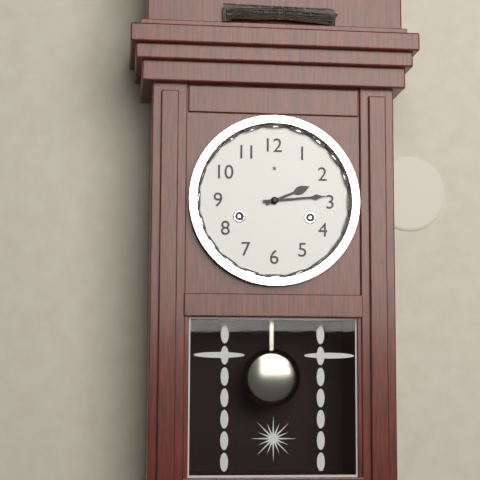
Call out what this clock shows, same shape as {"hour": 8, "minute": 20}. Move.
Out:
{"hour": 2, "minute": 14}
